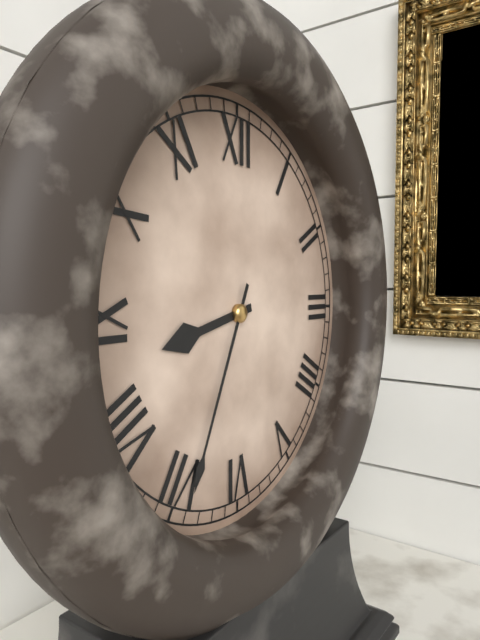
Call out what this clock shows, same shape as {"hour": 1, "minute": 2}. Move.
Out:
{"hour": 8, "minute": 34}
